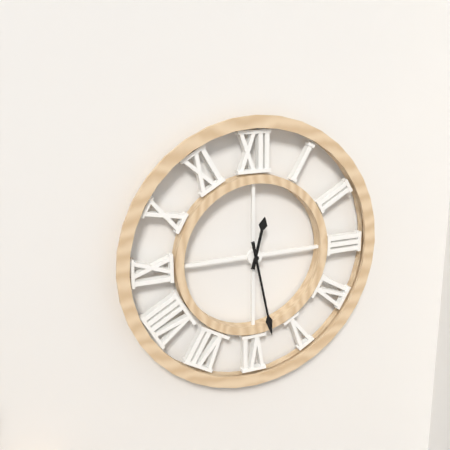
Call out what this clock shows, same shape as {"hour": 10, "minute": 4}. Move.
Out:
{"hour": 12, "minute": 28}
